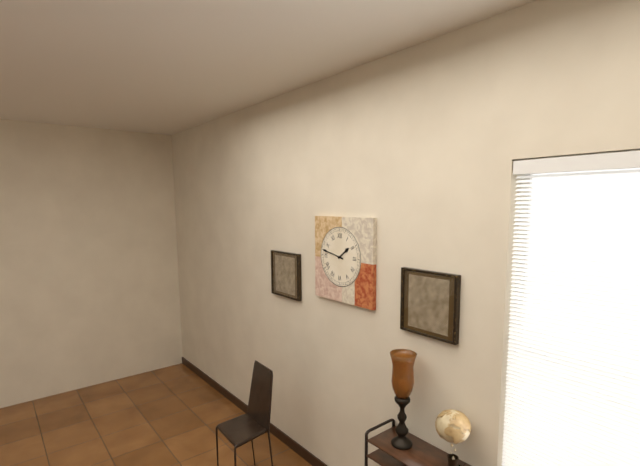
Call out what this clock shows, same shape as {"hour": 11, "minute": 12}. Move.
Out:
{"hour": 1, "minute": 47}
